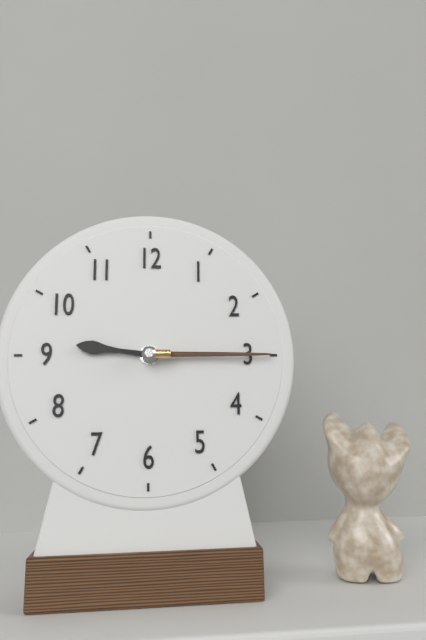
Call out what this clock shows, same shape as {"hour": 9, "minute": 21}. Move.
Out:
{"hour": 9, "minute": 15}
